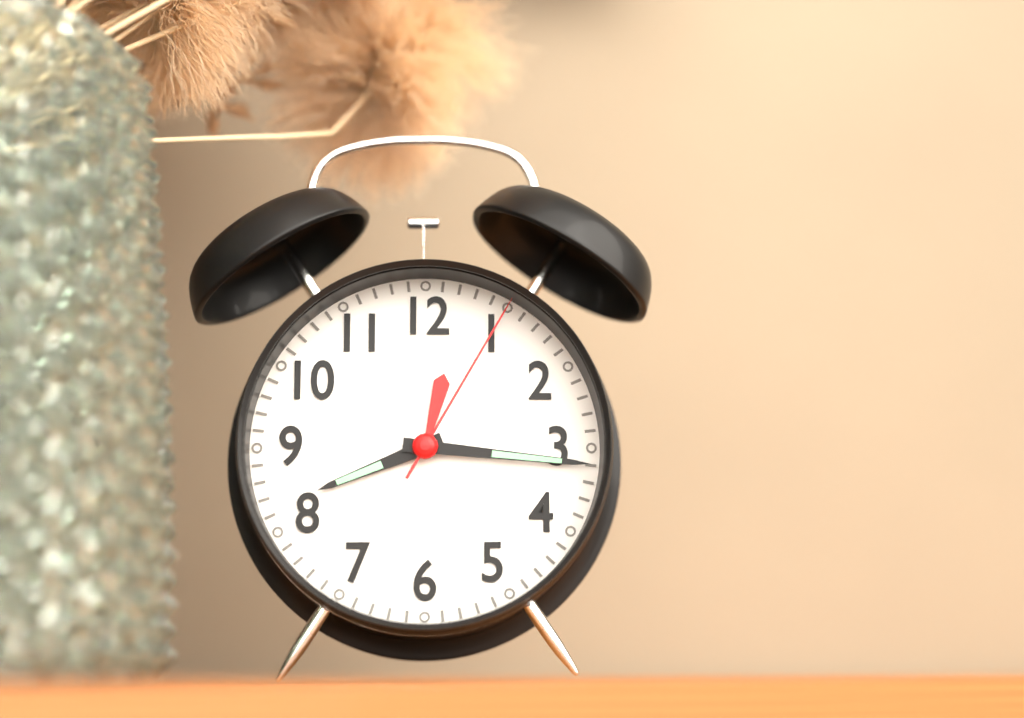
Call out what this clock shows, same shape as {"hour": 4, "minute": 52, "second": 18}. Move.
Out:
{"hour": 8, "minute": 16, "second": 5}
